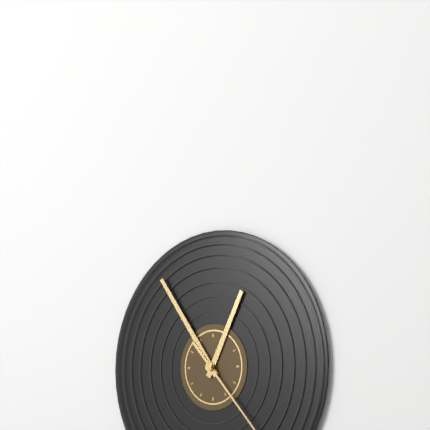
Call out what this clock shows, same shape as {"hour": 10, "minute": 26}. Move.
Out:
{"hour": 12, "minute": 54}
